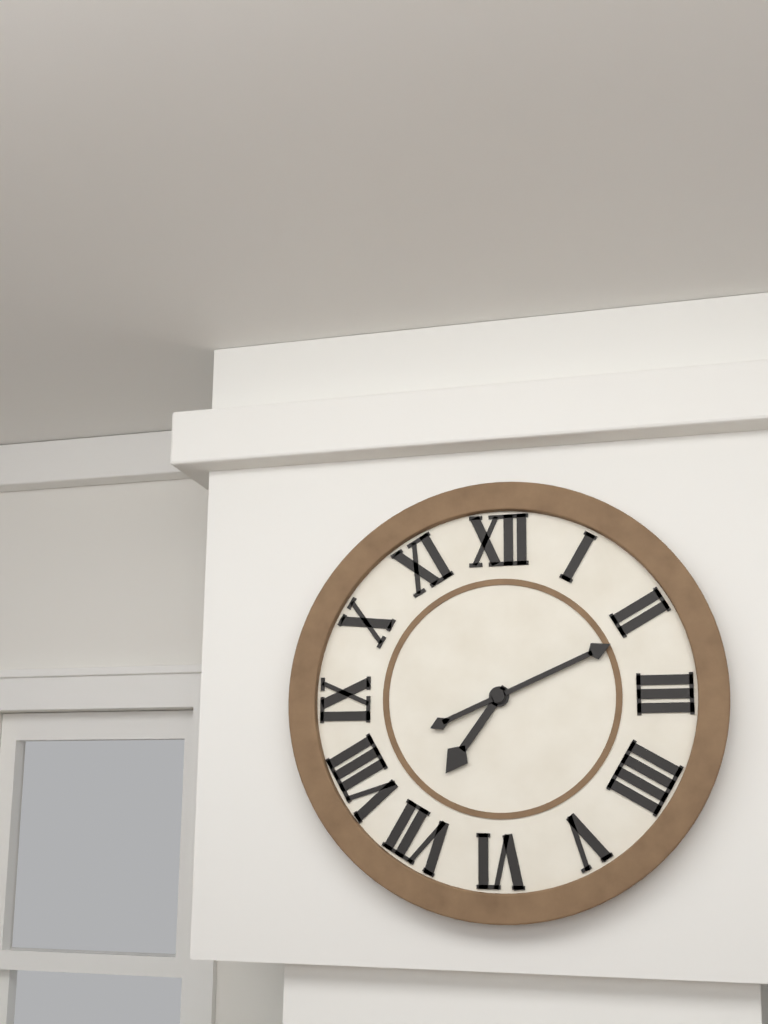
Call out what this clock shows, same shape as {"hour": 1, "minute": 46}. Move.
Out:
{"hour": 7, "minute": 11}
